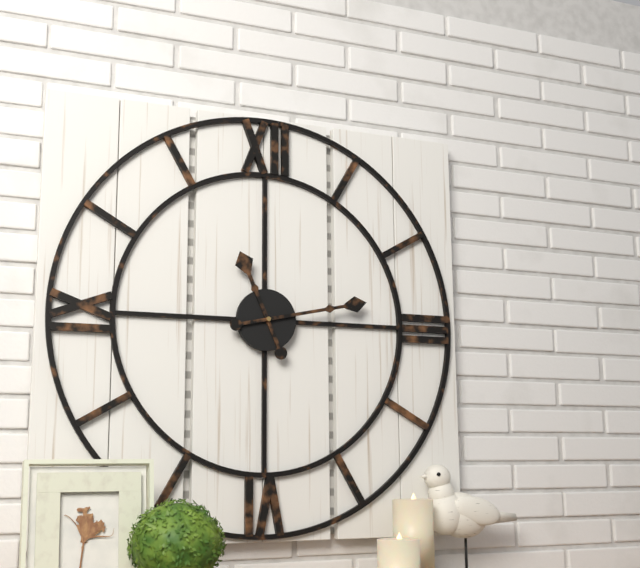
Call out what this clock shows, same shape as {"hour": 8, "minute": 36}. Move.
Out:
{"hour": 11, "minute": 13}
